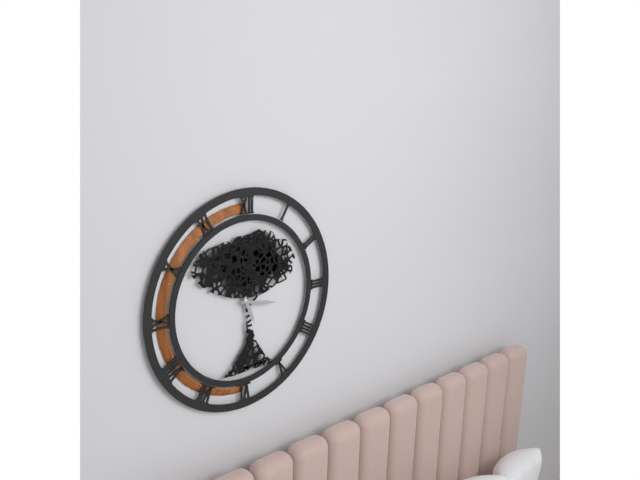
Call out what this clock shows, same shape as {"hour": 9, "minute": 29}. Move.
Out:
{"hour": 5, "minute": 17}
